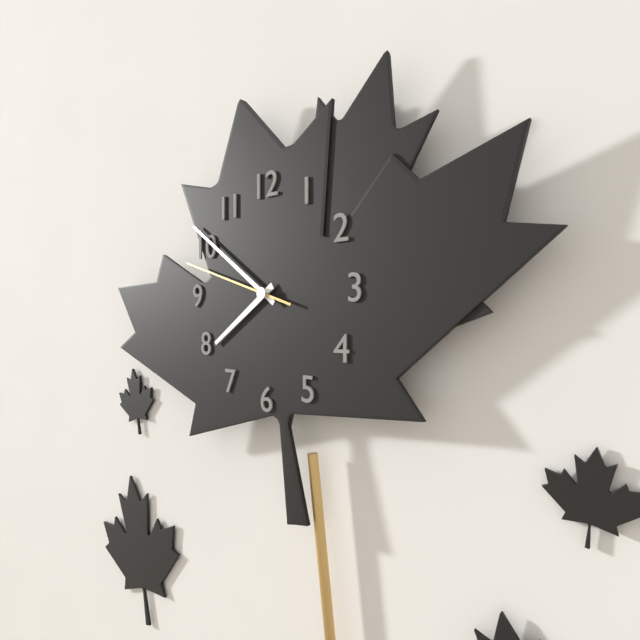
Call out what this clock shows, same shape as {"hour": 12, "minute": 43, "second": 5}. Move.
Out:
{"hour": 7, "minute": 51, "second": 48}
